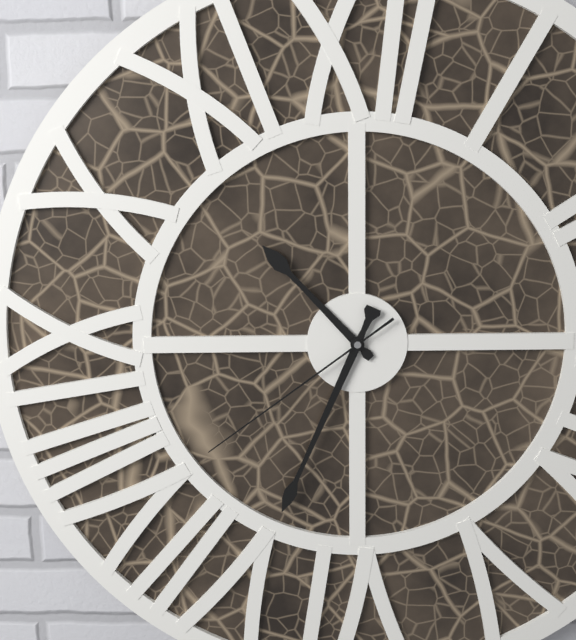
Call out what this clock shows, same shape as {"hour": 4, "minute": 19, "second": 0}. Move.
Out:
{"hour": 10, "minute": 34, "second": 39}
